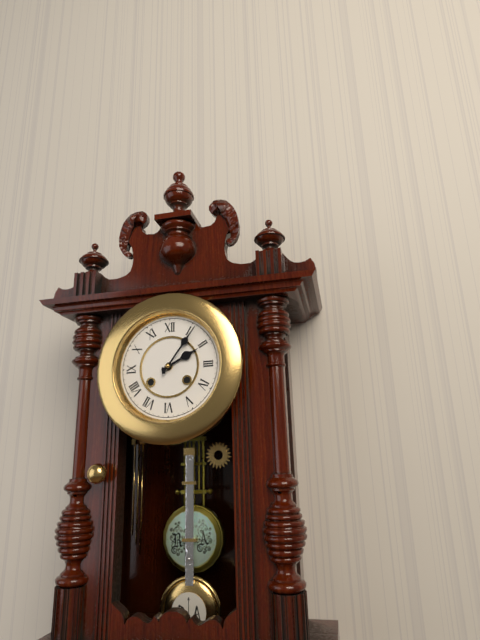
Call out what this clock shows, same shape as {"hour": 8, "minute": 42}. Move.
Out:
{"hour": 2, "minute": 6}
